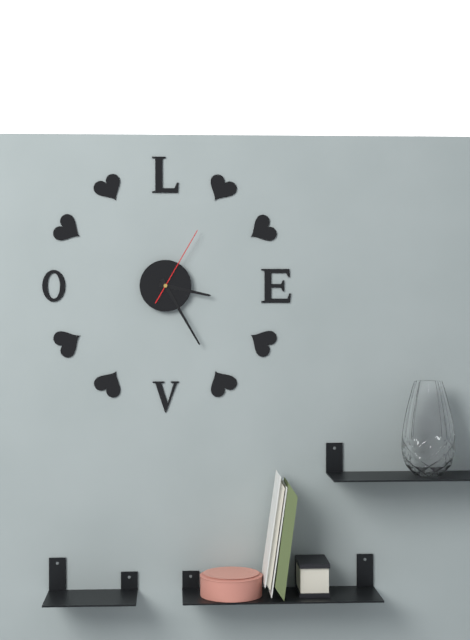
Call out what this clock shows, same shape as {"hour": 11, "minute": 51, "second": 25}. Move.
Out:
{"hour": 3, "minute": 25, "second": 5}
